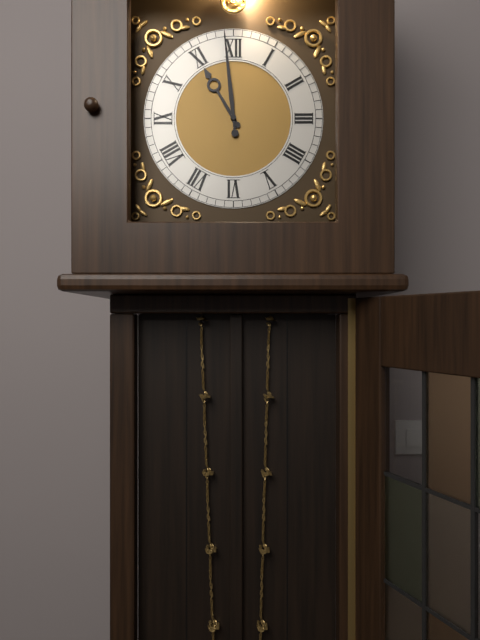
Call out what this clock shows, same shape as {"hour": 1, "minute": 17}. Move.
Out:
{"hour": 10, "minute": 59}
